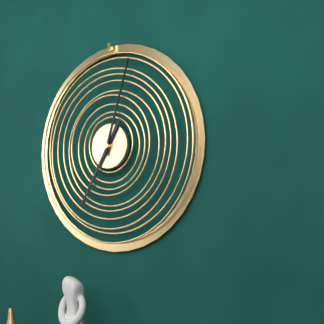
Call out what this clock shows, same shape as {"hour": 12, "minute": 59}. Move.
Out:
{"hour": 7, "minute": 3}
